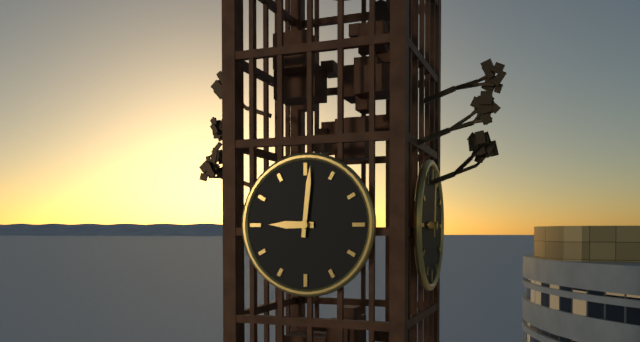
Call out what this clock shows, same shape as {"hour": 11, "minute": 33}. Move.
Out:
{"hour": 9, "minute": 1}
